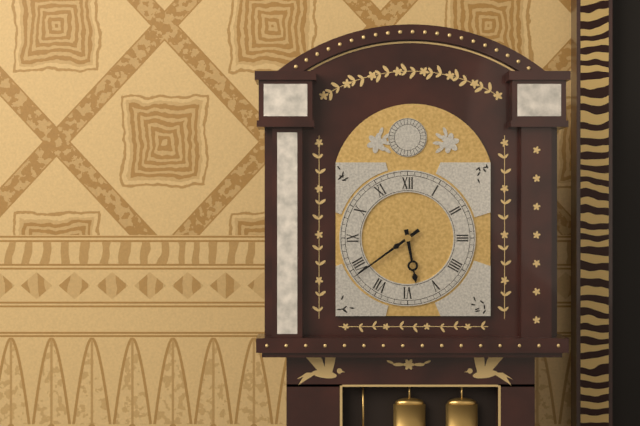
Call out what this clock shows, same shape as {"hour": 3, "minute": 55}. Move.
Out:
{"hour": 5, "minute": 39}
